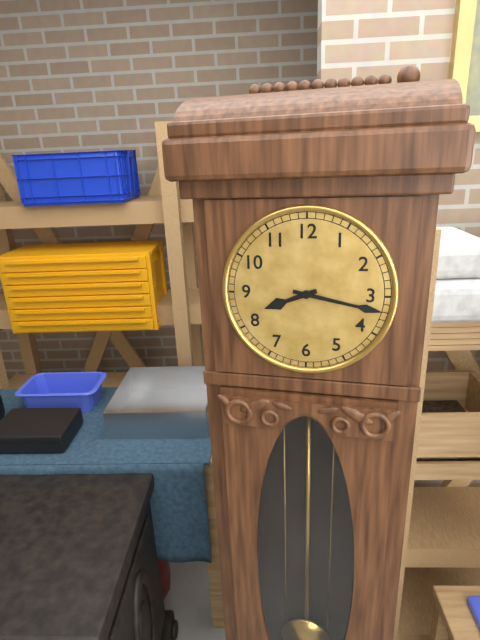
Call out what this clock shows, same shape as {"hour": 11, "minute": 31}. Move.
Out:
{"hour": 8, "minute": 17}
